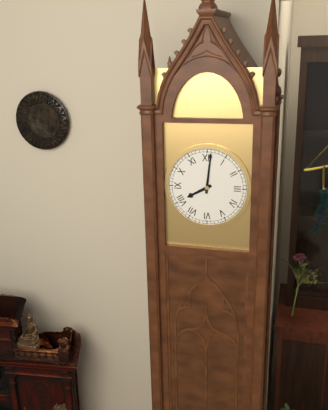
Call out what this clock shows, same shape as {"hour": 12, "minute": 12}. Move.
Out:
{"hour": 8, "minute": 1}
